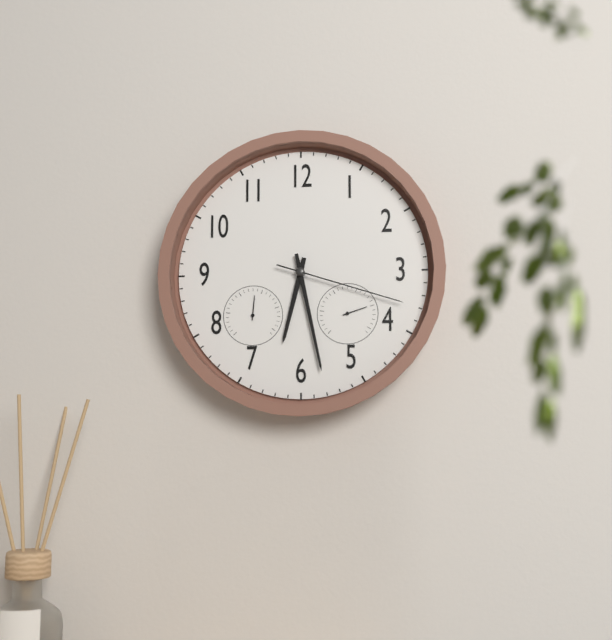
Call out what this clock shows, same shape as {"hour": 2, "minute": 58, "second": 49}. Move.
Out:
{"hour": 6, "minute": 28, "second": 18}
